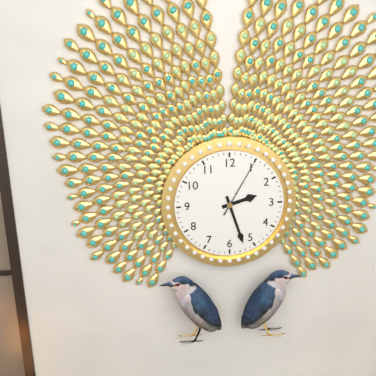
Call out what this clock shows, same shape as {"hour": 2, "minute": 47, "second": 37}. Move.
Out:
{"hour": 2, "minute": 27, "second": 5}
